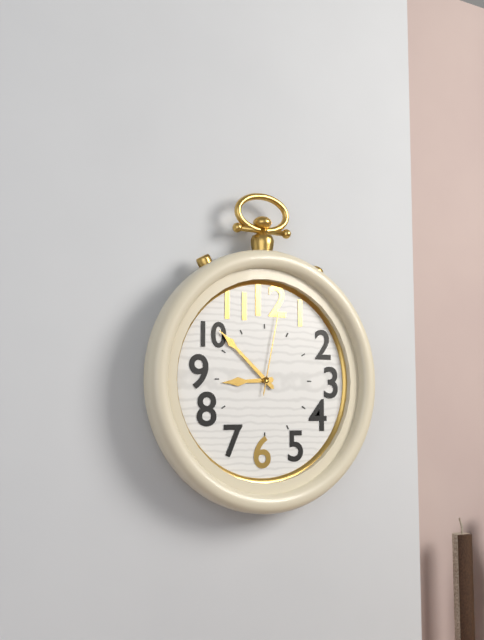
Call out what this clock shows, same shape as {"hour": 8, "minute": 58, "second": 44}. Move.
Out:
{"hour": 8, "minute": 52, "second": 2}
